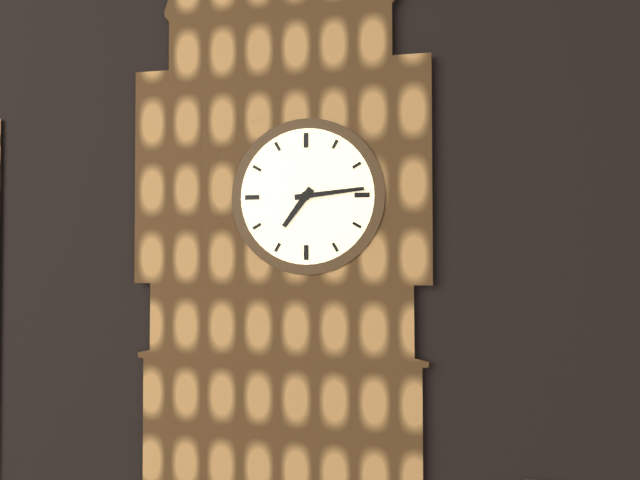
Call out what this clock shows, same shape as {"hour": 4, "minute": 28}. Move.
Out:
{"hour": 7, "minute": 14}
